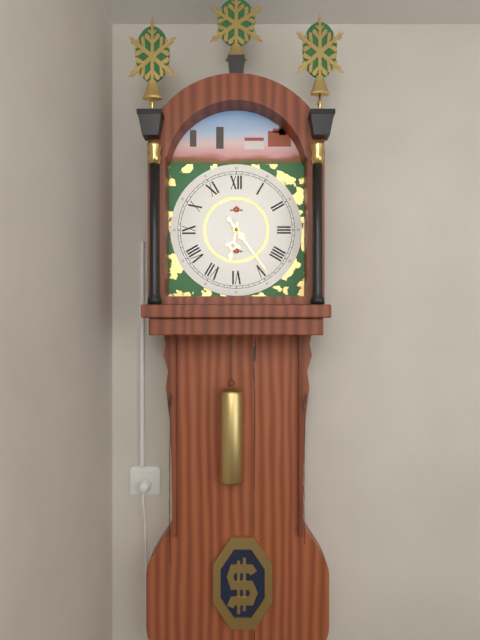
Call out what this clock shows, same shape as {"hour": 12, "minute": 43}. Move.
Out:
{"hour": 6, "minute": 24}
